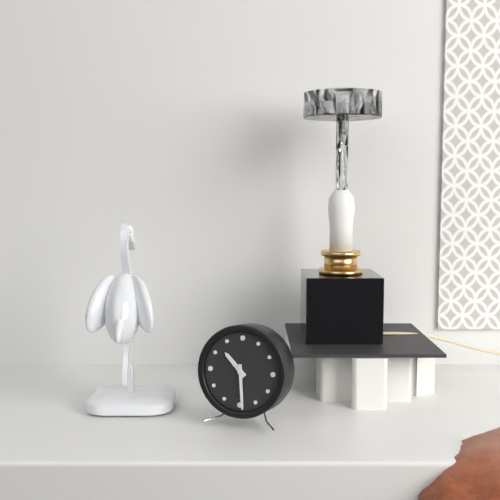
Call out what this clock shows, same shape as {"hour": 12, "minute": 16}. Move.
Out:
{"hour": 10, "minute": 29}
